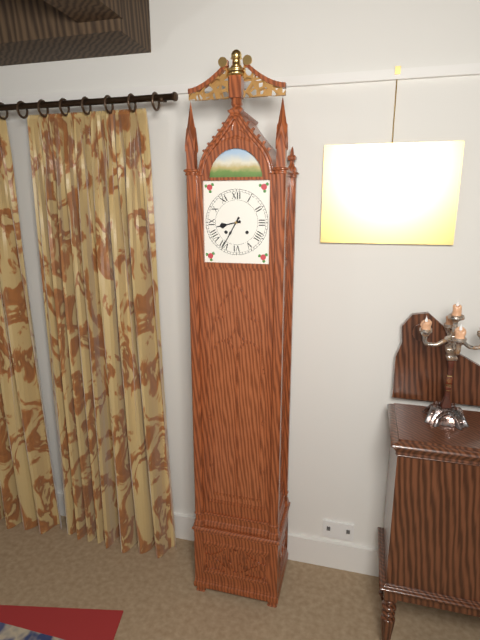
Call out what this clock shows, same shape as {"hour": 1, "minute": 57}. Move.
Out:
{"hour": 8, "minute": 35}
